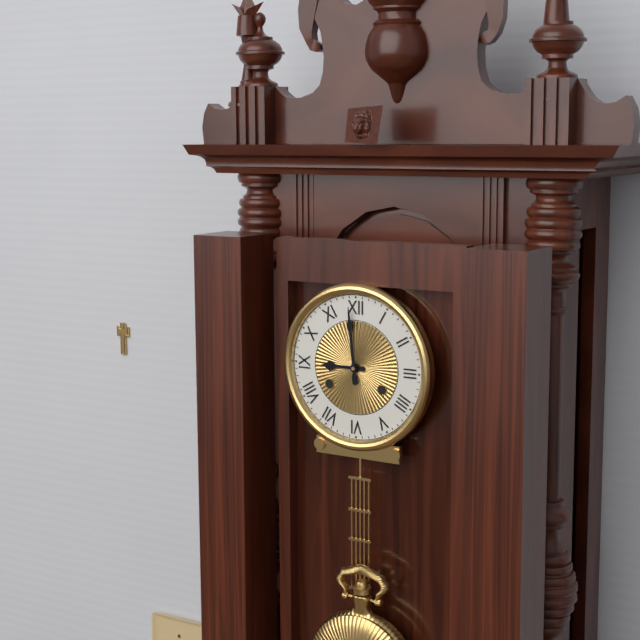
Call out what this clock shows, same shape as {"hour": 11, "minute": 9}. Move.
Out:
{"hour": 8, "minute": 59}
